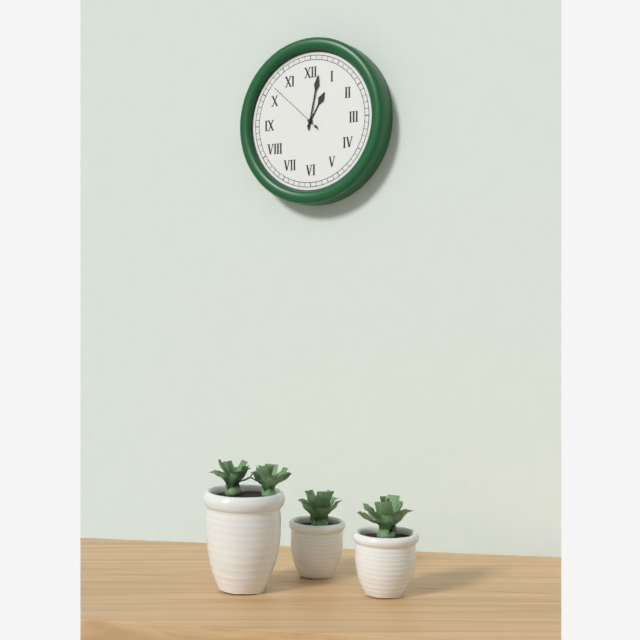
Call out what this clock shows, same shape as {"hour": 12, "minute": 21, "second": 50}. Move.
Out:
{"hour": 1, "minute": 2, "second": 52}
